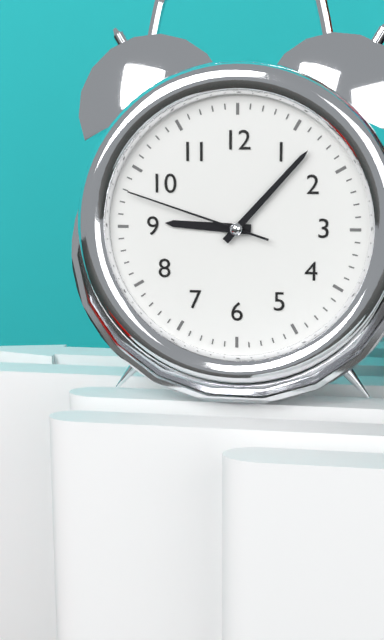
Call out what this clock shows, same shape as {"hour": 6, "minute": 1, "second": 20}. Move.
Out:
{"hour": 9, "minute": 7, "second": 48}
